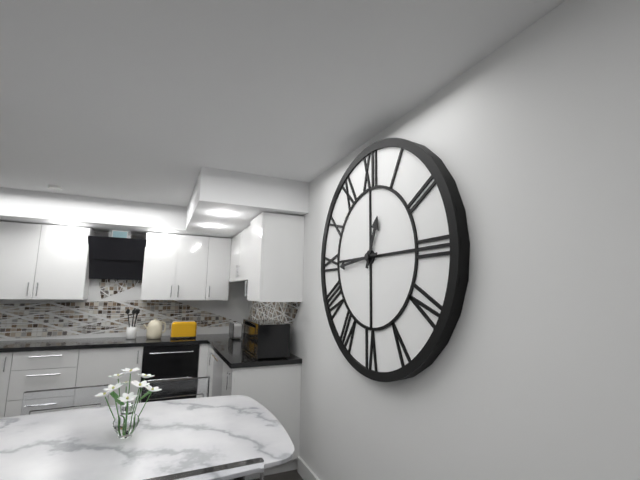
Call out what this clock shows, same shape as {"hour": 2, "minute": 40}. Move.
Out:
{"hour": 12, "minute": 44}
